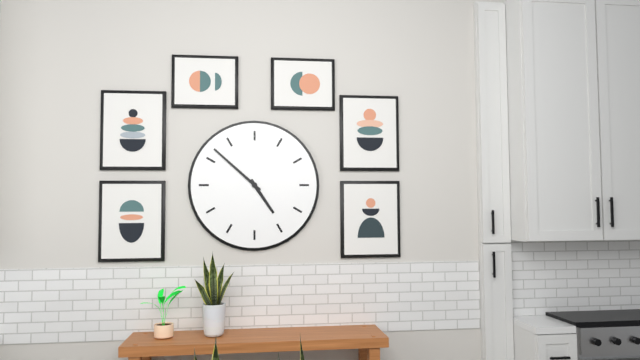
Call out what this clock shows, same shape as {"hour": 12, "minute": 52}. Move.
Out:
{"hour": 4, "minute": 52}
